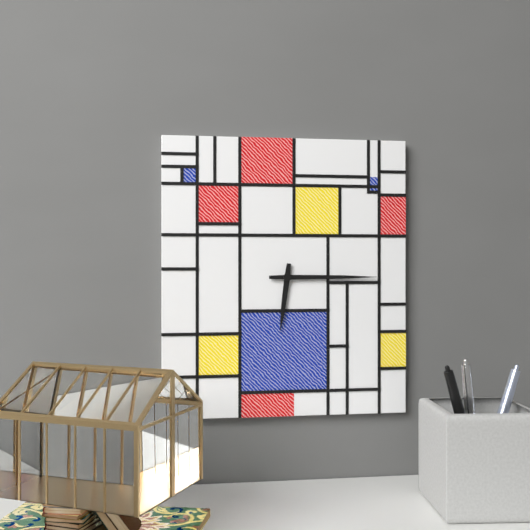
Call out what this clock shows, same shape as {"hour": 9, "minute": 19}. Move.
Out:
{"hour": 6, "minute": 15}
